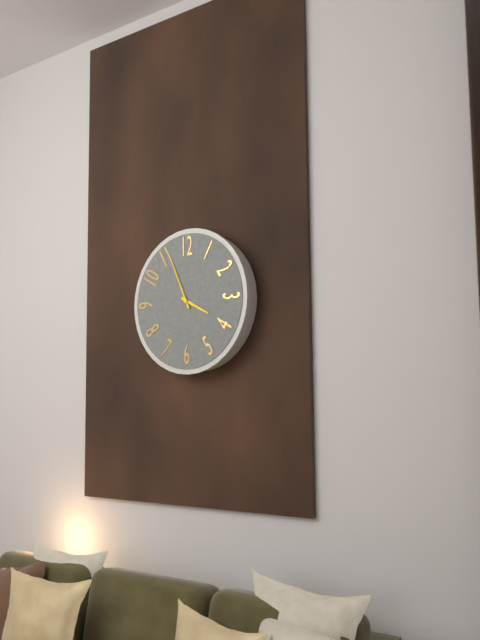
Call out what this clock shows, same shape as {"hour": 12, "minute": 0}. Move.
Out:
{"hour": 3, "minute": 56}
